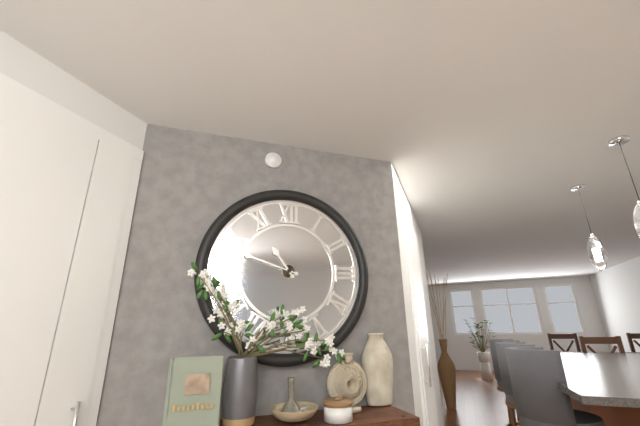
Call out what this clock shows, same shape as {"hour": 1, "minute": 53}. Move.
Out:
{"hour": 10, "minute": 48}
